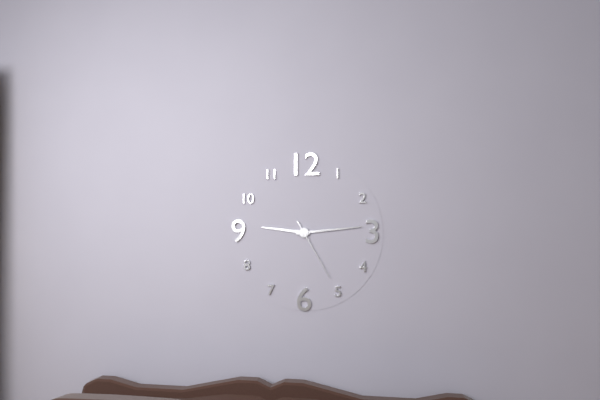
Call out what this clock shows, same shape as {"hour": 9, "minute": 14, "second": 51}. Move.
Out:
{"hour": 9, "minute": 14, "second": 25}
